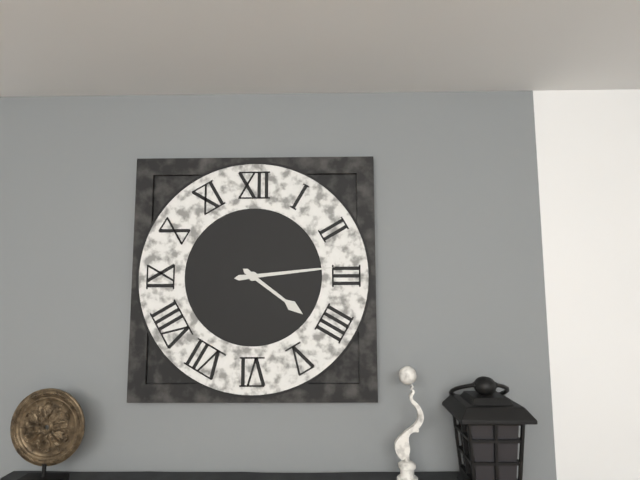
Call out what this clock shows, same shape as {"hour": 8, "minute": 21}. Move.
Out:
{"hour": 4, "minute": 14}
